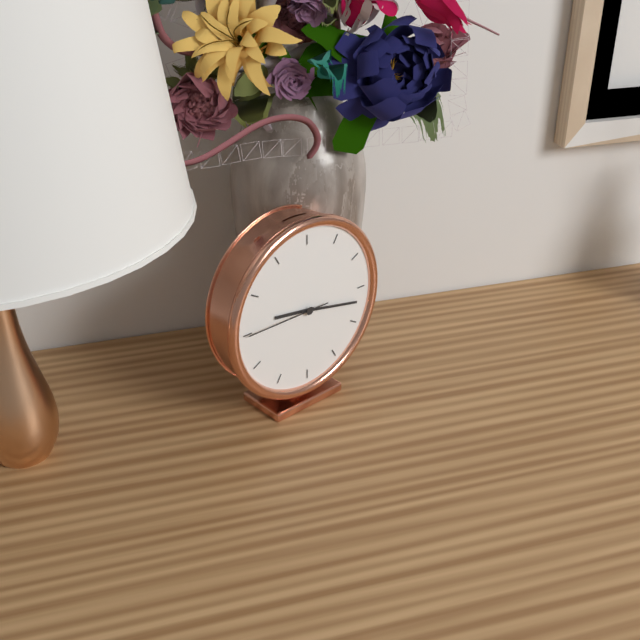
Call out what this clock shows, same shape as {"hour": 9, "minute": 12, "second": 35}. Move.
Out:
{"hour": 9, "minute": 17, "second": 45}
